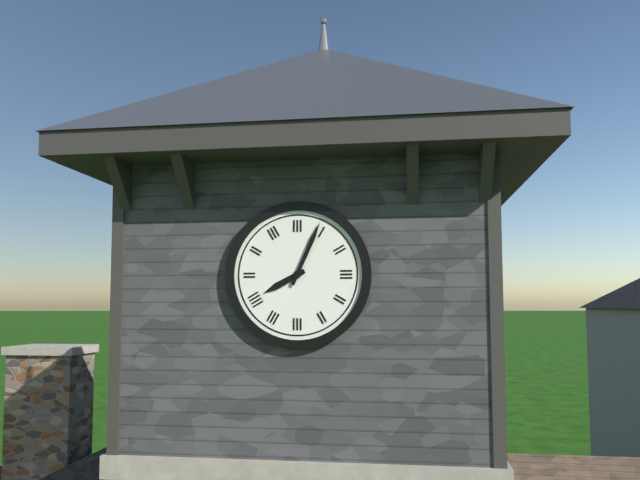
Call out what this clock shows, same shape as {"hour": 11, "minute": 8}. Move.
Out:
{"hour": 8, "minute": 4}
